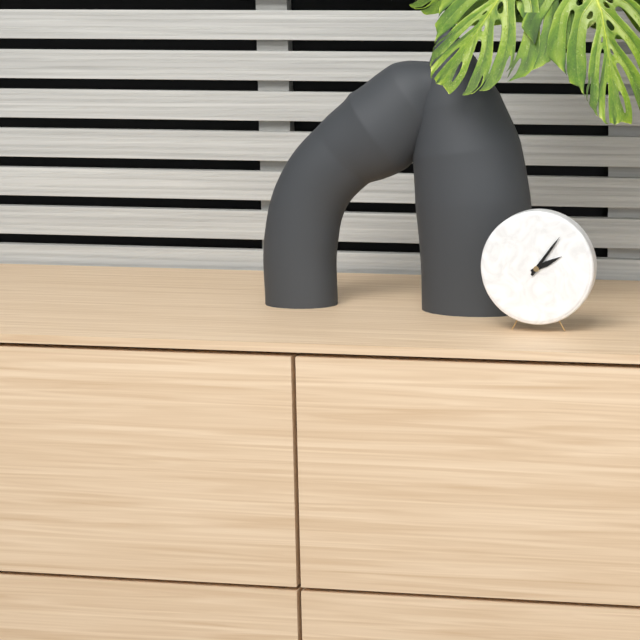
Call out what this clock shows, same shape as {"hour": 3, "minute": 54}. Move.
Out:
{"hour": 2, "minute": 6}
